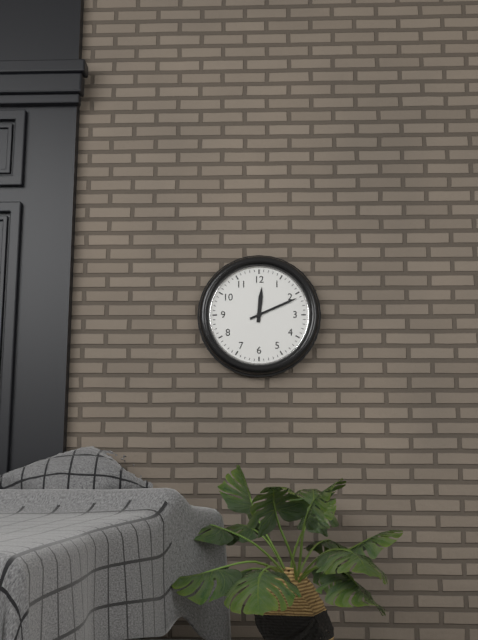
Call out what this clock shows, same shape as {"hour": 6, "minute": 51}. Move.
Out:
{"hour": 12, "minute": 11}
